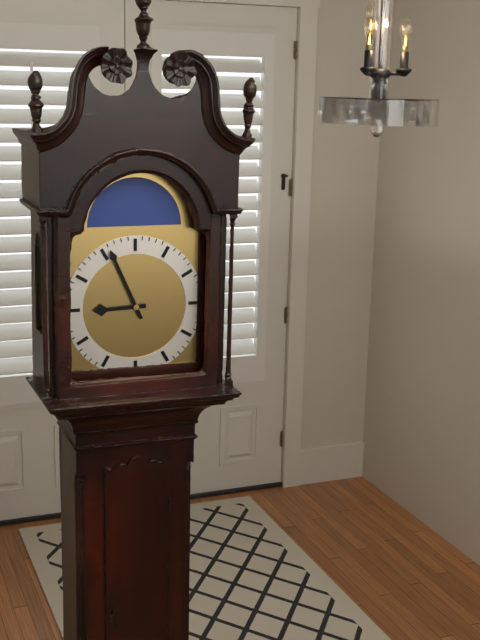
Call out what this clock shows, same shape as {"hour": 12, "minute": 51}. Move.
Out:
{"hour": 8, "minute": 56}
